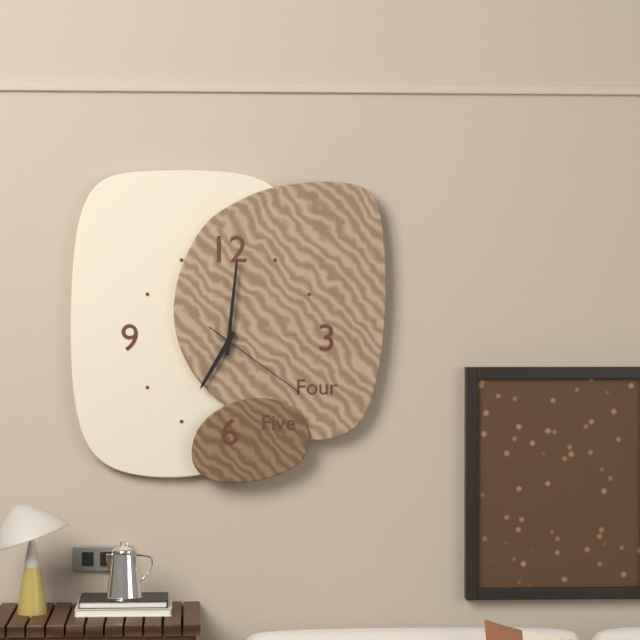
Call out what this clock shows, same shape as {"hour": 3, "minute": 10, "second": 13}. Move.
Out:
{"hour": 7, "minute": 1, "second": 21}
